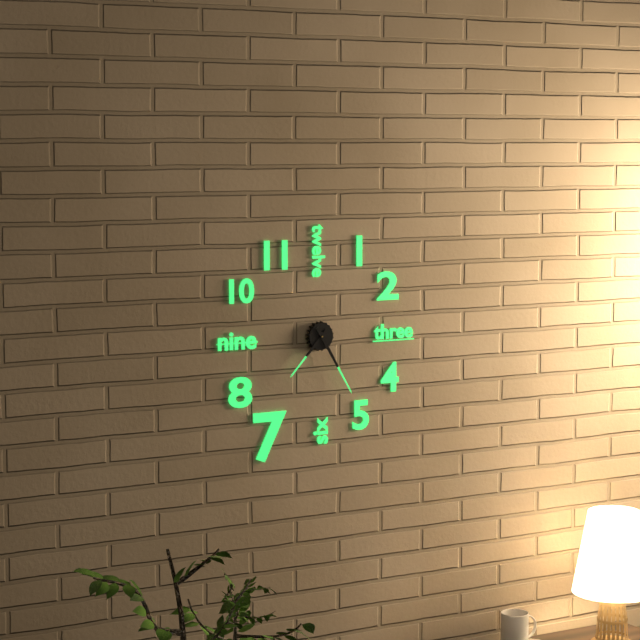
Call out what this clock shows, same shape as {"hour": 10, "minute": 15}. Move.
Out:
{"hour": 7, "minute": 25}
